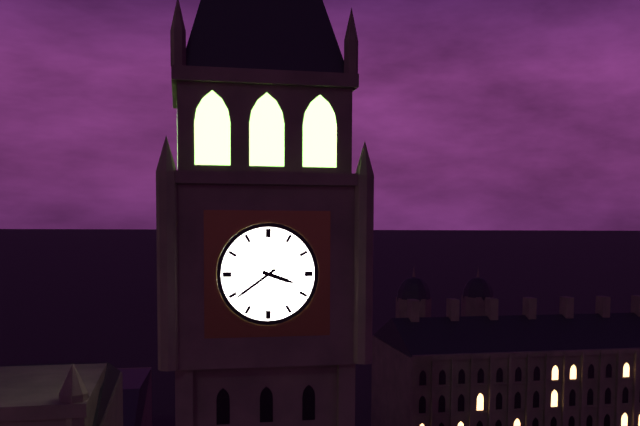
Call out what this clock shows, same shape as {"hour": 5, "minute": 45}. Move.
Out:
{"hour": 3, "minute": 39}
